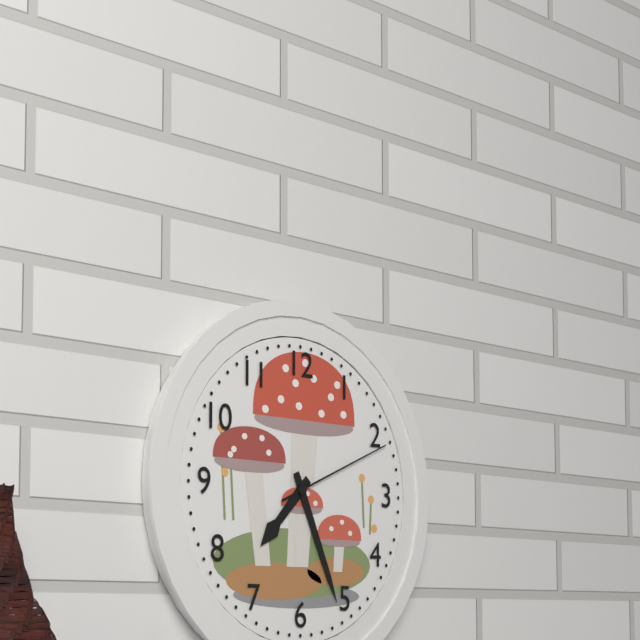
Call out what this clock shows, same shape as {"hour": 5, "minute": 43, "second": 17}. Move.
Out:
{"hour": 7, "minute": 26, "second": 11}
